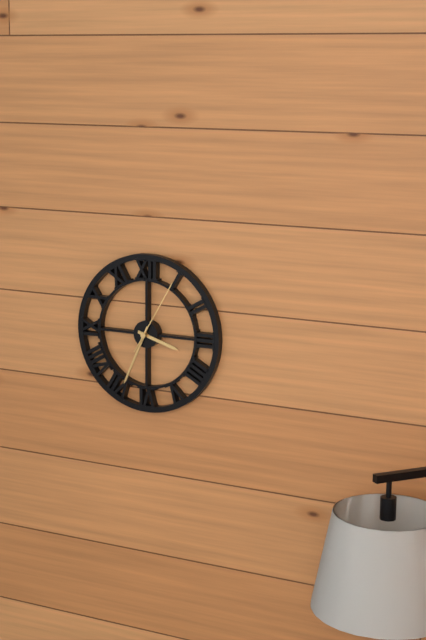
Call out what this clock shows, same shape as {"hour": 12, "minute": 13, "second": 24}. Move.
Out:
{"hour": 3, "minute": 34, "second": 5}
